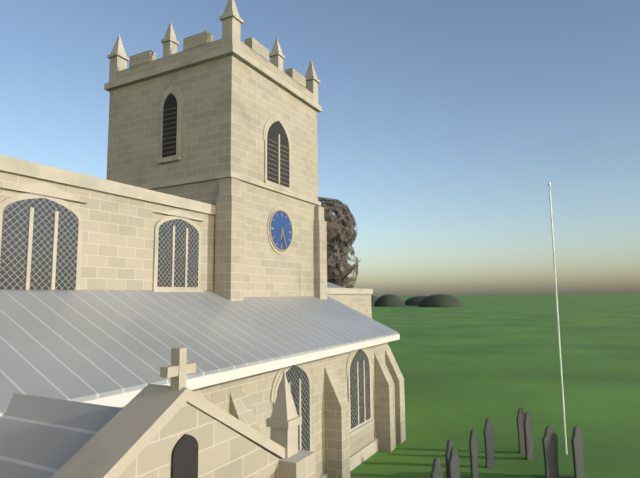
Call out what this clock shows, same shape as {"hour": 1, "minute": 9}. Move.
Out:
{"hour": 6, "minute": 26}
